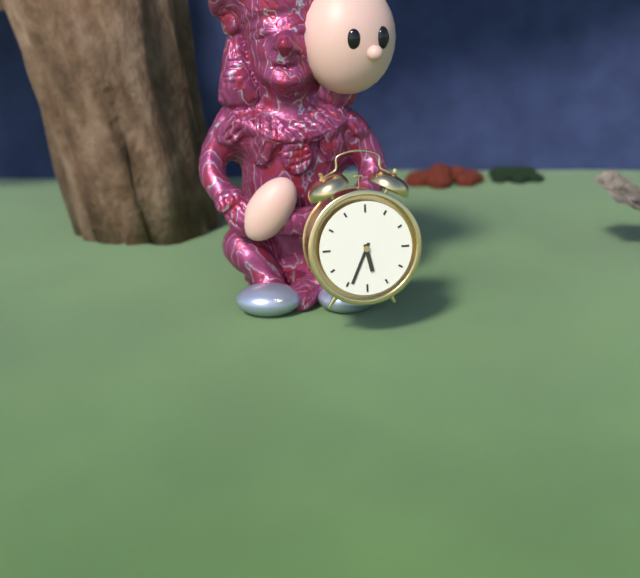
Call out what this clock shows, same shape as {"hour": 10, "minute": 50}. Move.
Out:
{"hour": 5, "minute": 34}
